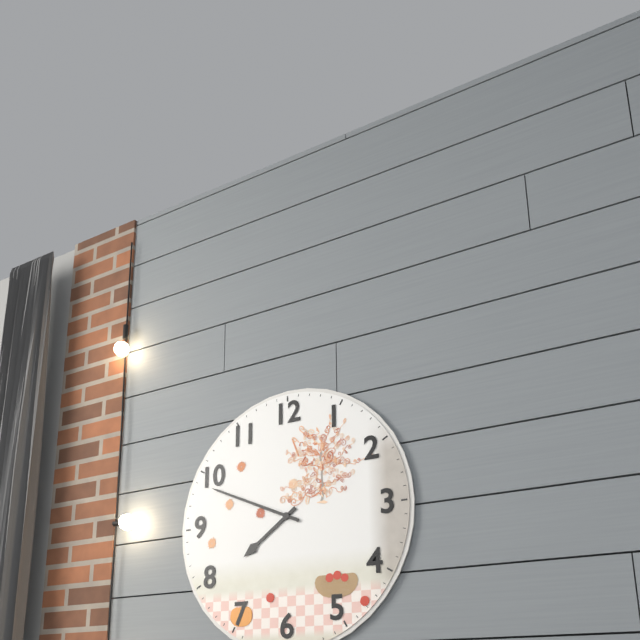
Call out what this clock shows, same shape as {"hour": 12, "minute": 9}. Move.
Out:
{"hour": 7, "minute": 49}
